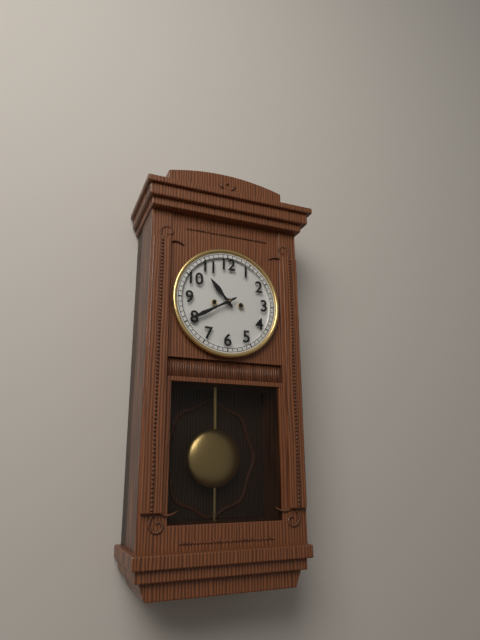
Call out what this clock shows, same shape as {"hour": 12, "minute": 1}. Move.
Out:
{"hour": 10, "minute": 40}
